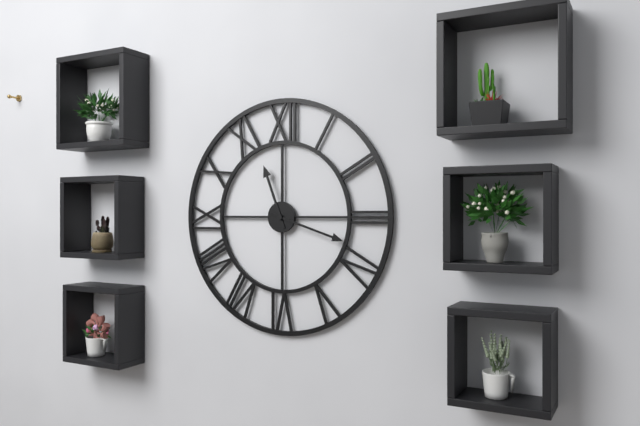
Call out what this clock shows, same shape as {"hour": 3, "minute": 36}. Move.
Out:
{"hour": 11, "minute": 18}
